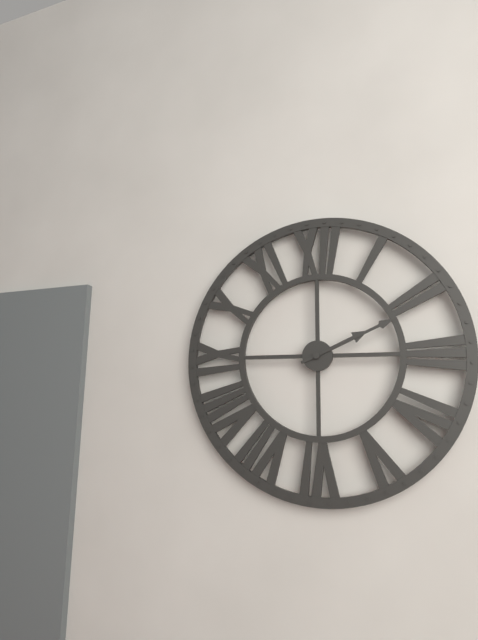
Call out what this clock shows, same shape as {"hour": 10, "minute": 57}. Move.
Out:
{"hour": 2, "minute": 11}
